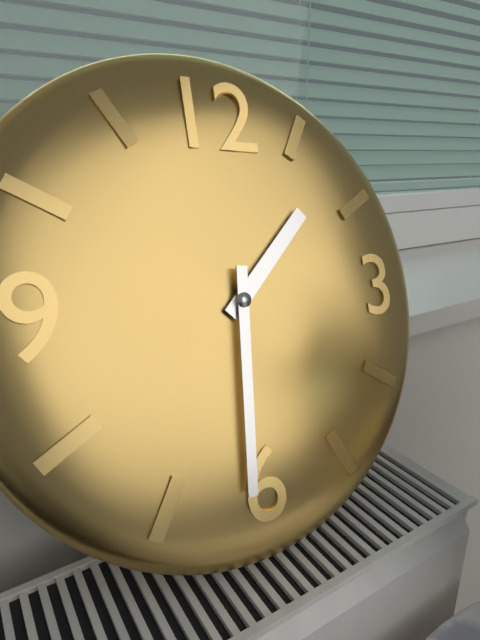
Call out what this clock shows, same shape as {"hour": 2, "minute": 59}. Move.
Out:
{"hour": 1, "minute": 31}
